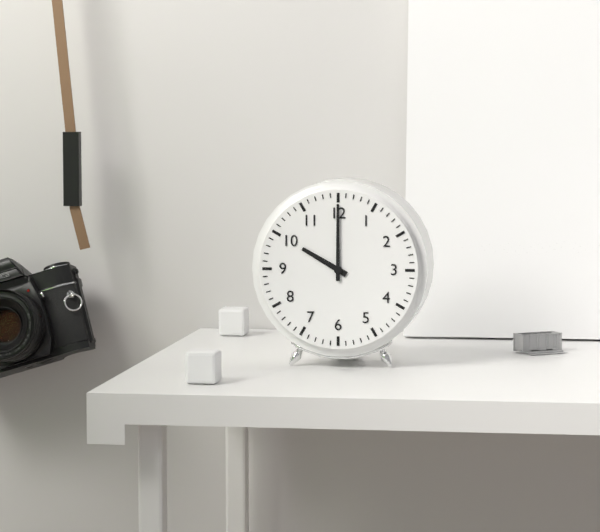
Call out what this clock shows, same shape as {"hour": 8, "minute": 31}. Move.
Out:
{"hour": 10, "minute": 0}
